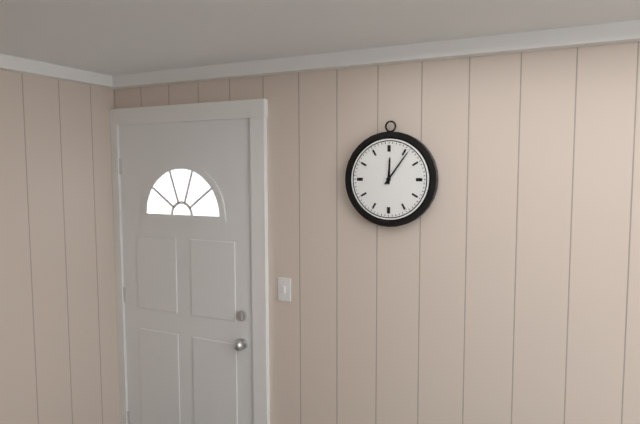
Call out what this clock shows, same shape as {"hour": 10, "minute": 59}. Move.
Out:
{"hour": 12, "minute": 6}
